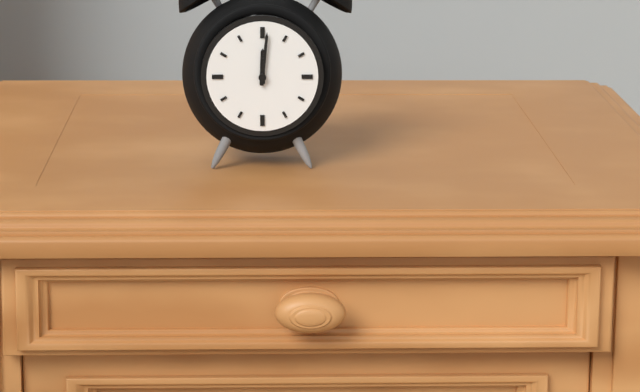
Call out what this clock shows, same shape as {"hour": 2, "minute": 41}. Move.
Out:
{"hour": 12, "minute": 1}
